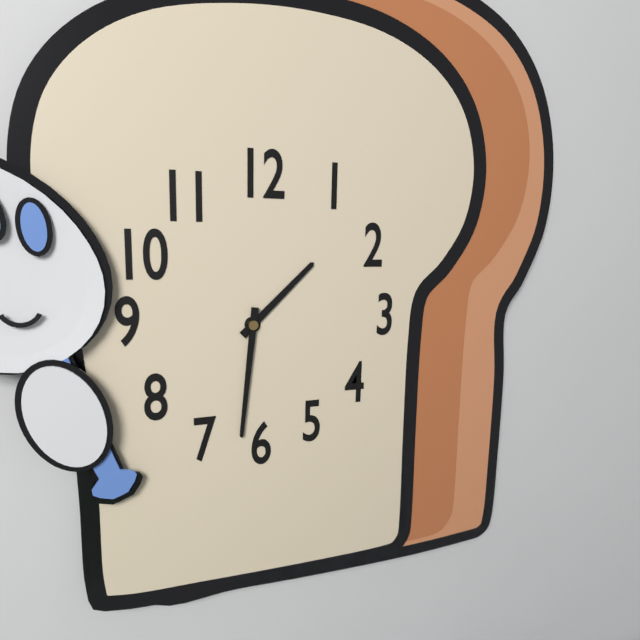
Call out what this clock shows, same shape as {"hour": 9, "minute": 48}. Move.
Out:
{"hour": 1, "minute": 31}
